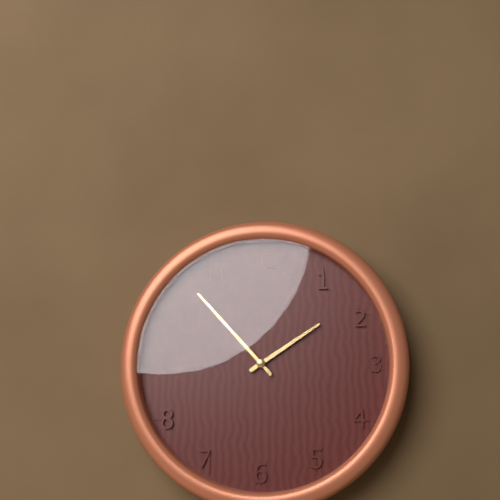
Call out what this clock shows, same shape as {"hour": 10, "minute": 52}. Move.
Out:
{"hour": 1, "minute": 53}
